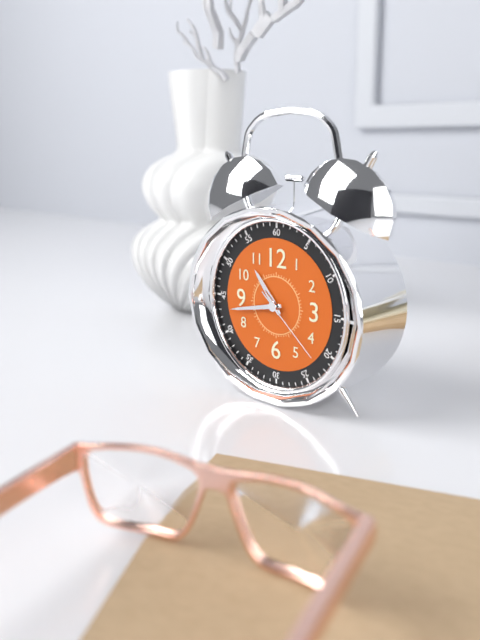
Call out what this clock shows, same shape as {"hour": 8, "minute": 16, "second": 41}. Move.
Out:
{"hour": 10, "minute": 43, "second": 22}
